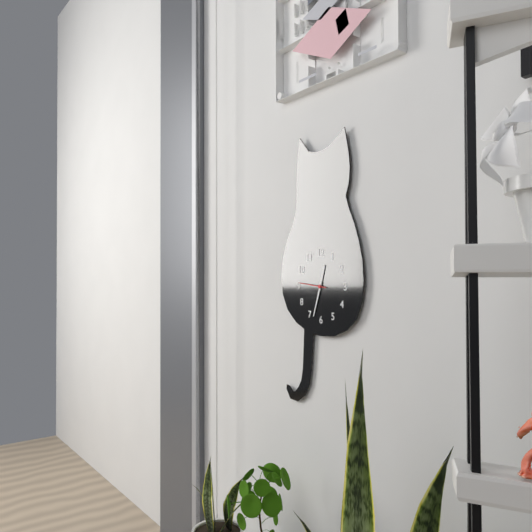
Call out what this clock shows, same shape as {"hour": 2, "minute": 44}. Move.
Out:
{"hour": 12, "minute": 33}
